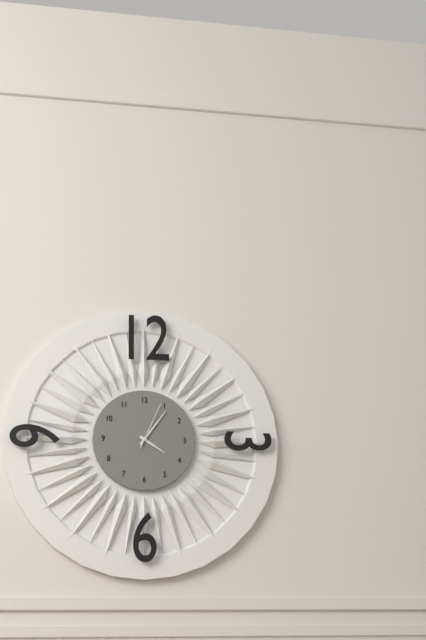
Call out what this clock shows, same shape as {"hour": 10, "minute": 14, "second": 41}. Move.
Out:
{"hour": 4, "minute": 6, "second": 4}
